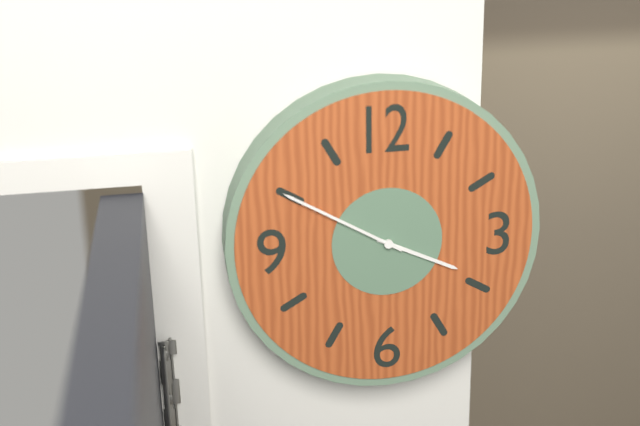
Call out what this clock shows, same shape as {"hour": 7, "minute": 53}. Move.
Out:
{"hour": 3, "minute": 50}
